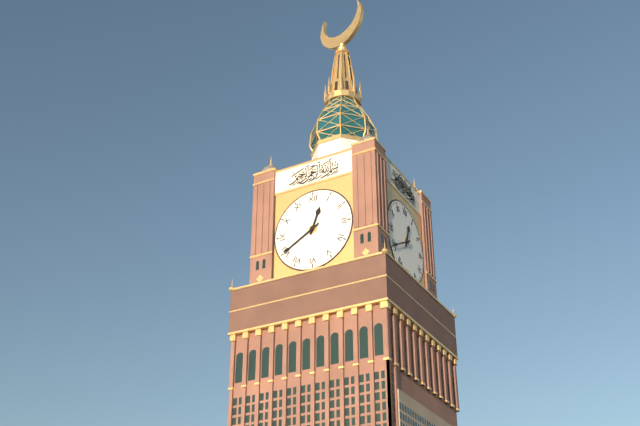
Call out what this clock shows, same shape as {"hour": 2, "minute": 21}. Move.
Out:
{"hour": 12, "minute": 40}
